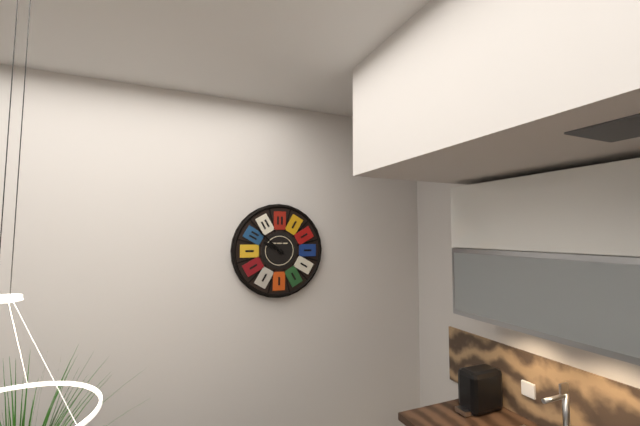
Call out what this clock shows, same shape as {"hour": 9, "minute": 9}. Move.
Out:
{"hour": 9, "minute": 52}
